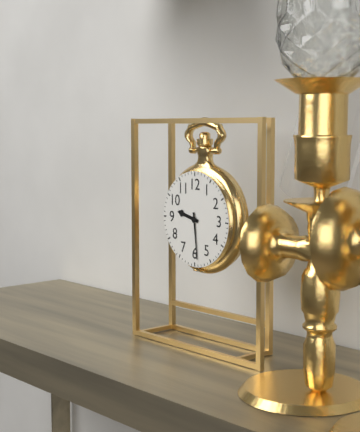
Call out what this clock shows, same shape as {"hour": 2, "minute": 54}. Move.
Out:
{"hour": 9, "minute": 29}
